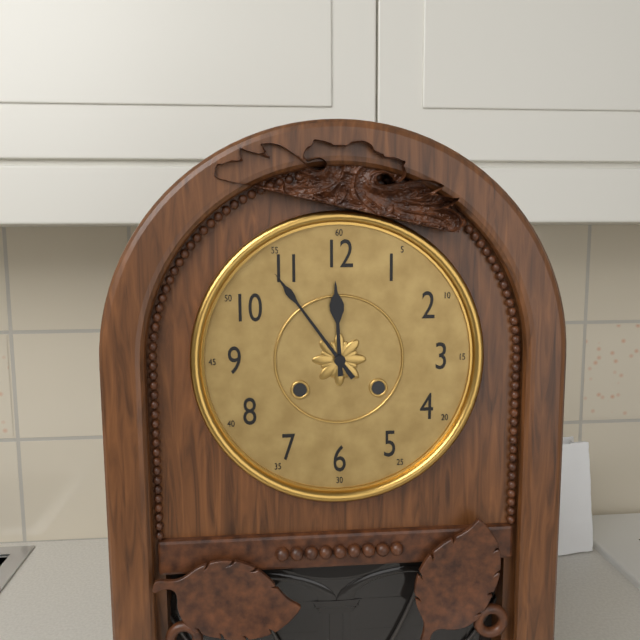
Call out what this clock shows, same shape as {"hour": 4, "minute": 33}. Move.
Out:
{"hour": 11, "minute": 54}
